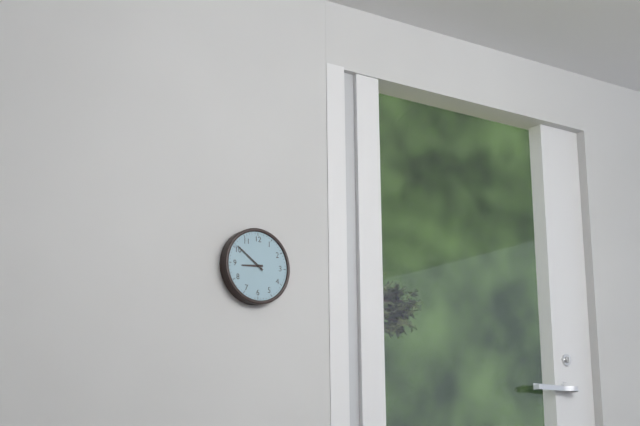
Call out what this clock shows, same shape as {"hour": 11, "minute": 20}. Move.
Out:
{"hour": 8, "minute": 51}
